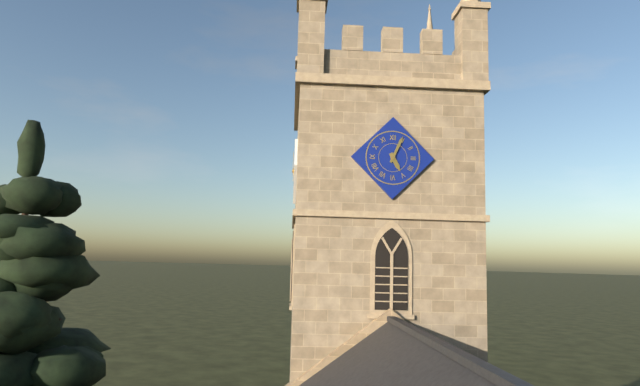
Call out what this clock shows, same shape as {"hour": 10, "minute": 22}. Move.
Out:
{"hour": 5, "minute": 4}
